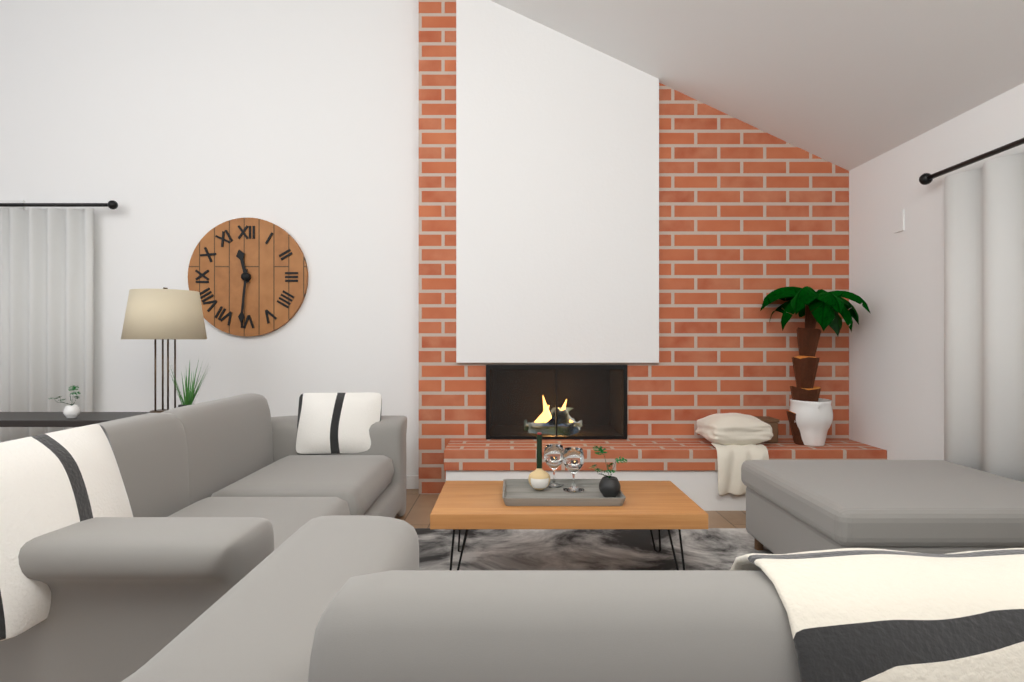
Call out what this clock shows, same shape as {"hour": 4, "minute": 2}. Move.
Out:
{"hour": 11, "minute": 31}
